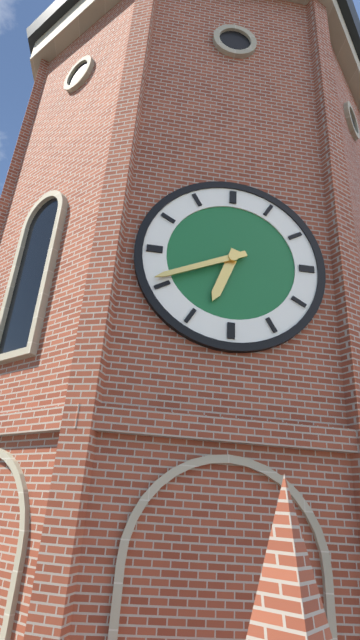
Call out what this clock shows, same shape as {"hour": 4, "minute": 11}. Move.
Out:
{"hour": 6, "minute": 41}
